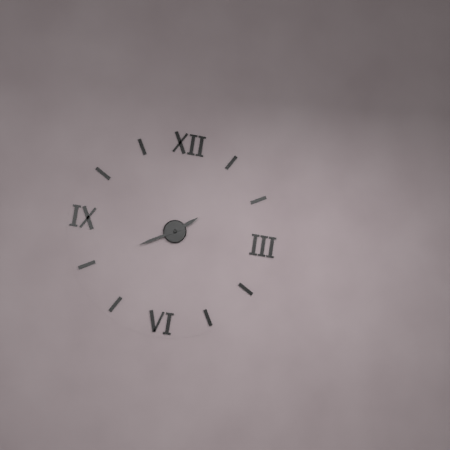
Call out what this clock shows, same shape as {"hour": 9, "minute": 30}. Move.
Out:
{"hour": 1, "minute": 40}
